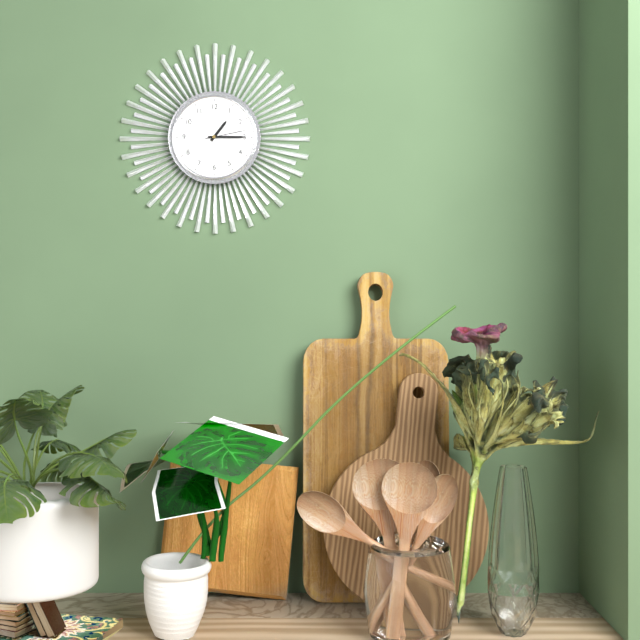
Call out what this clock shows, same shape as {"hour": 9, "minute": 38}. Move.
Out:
{"hour": 1, "minute": 15}
